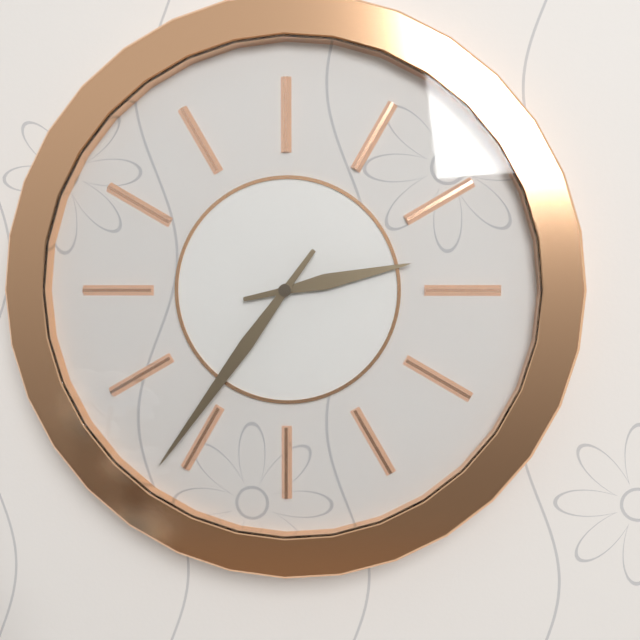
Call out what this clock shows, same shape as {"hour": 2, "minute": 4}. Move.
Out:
{"hour": 2, "minute": 36}
